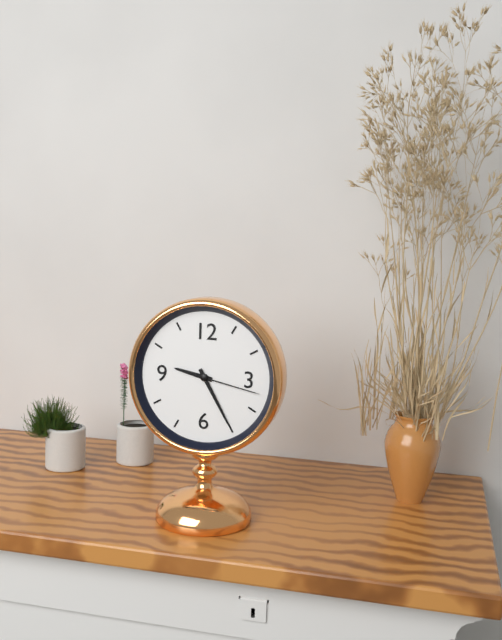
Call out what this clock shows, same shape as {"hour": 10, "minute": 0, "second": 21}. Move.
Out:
{"hour": 9, "minute": 25, "second": 17}
